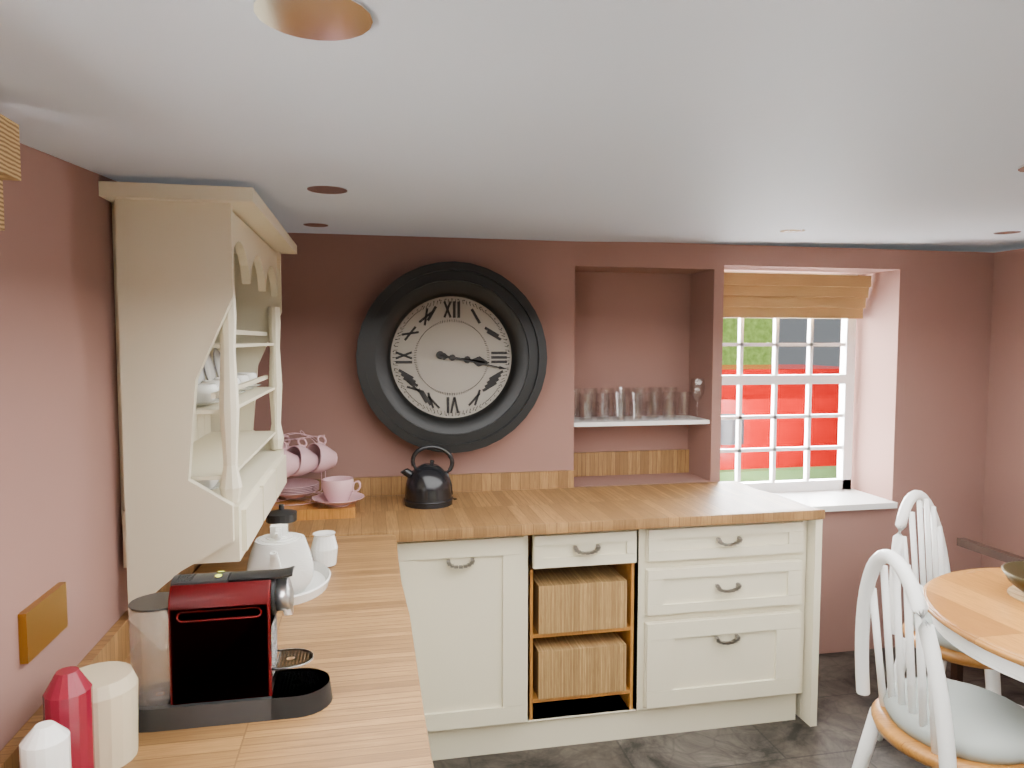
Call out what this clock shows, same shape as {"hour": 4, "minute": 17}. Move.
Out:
{"hour": 3, "minute": 17}
